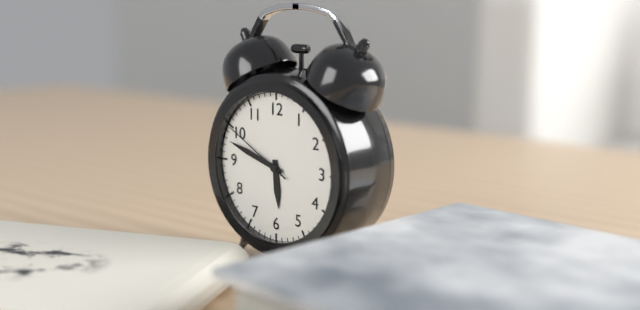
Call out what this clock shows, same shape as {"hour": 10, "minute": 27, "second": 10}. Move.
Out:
{"hour": 5, "minute": 48, "second": 50}
